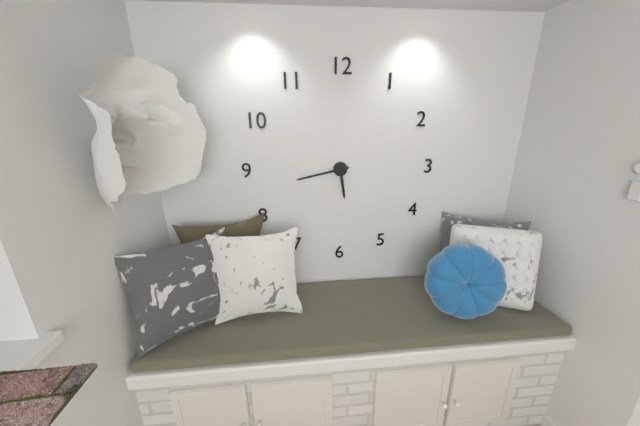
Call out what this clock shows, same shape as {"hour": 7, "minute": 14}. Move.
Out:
{"hour": 5, "minute": 43}
